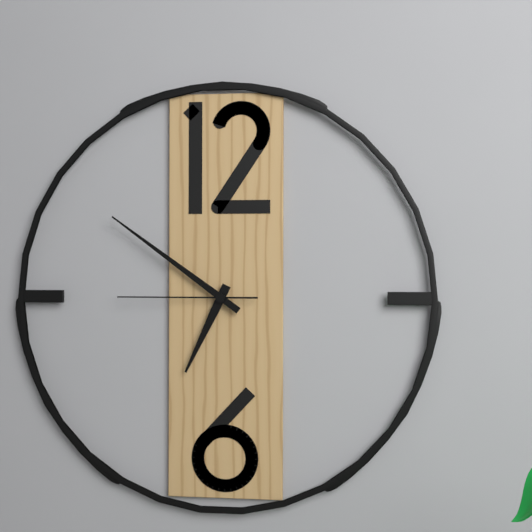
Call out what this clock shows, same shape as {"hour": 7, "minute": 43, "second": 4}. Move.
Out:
{"hour": 6, "minute": 51, "second": 45}
